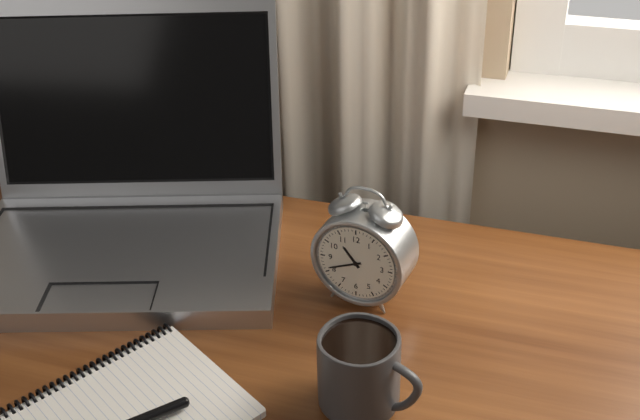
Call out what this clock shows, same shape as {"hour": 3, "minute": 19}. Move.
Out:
{"hour": 10, "minute": 41}
